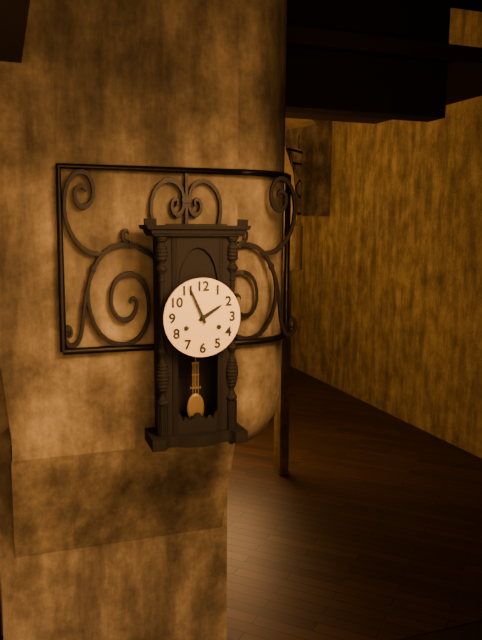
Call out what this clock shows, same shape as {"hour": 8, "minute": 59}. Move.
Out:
{"hour": 1, "minute": 56}
